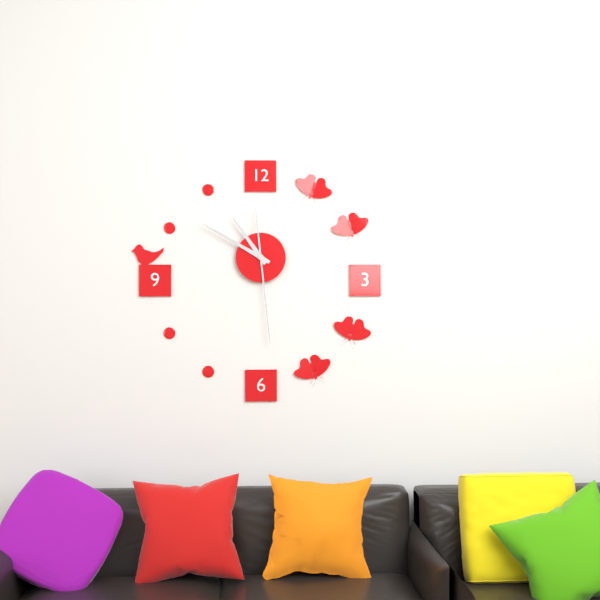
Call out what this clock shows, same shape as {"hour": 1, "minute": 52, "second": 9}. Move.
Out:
{"hour": 10, "minute": 50, "second": 29}
